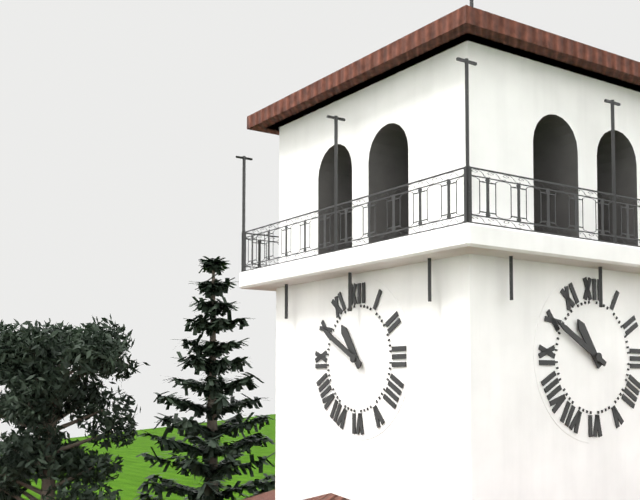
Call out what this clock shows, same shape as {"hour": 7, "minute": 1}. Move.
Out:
{"hour": 10, "minute": 50}
